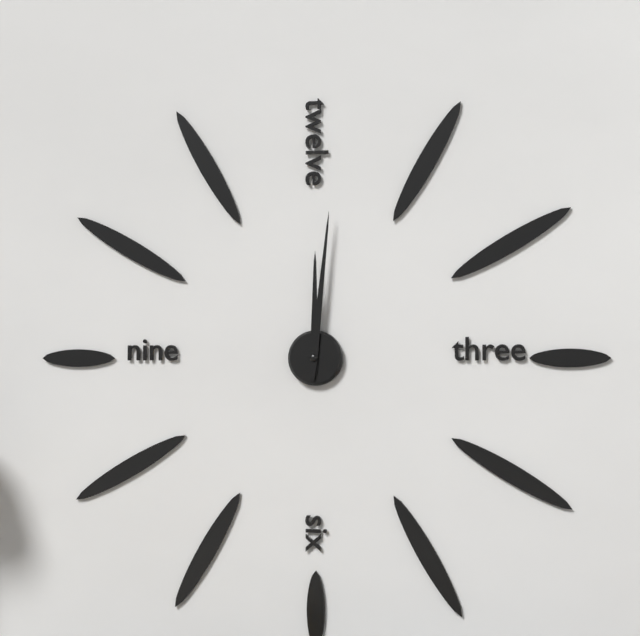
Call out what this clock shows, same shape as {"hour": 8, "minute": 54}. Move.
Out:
{"hour": 12, "minute": 1}
